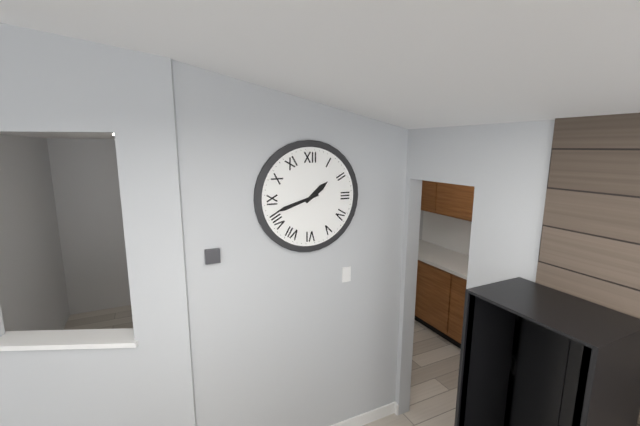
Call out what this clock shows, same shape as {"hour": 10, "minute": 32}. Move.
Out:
{"hour": 1, "minute": 42}
